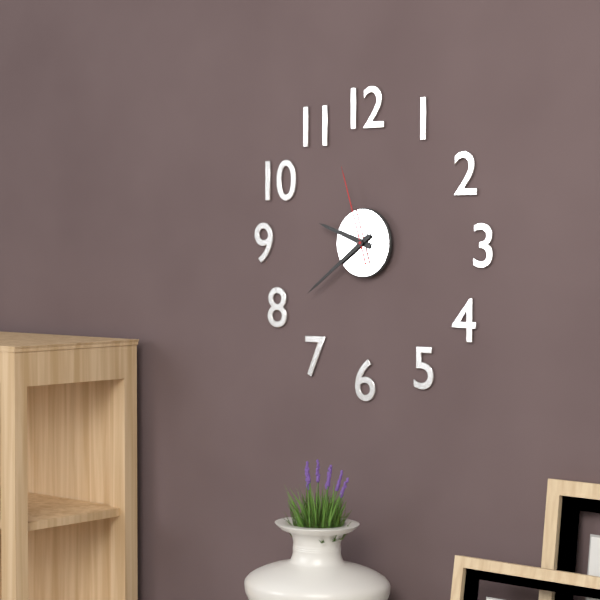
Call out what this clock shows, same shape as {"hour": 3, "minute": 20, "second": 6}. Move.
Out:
{"hour": 9, "minute": 39, "second": 57}
